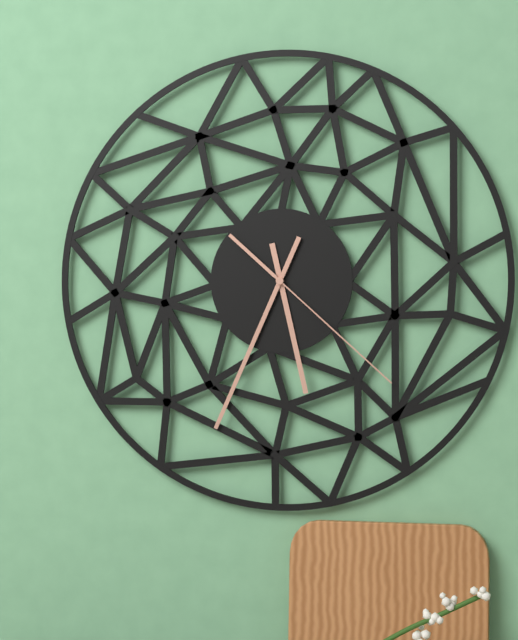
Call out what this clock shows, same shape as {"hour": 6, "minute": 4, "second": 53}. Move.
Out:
{"hour": 5, "minute": 34, "second": 22}
